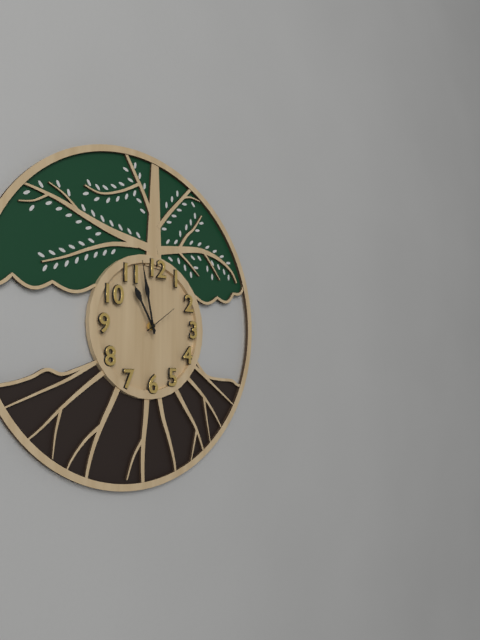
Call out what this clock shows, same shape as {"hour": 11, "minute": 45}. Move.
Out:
{"hour": 10, "minute": 58}
